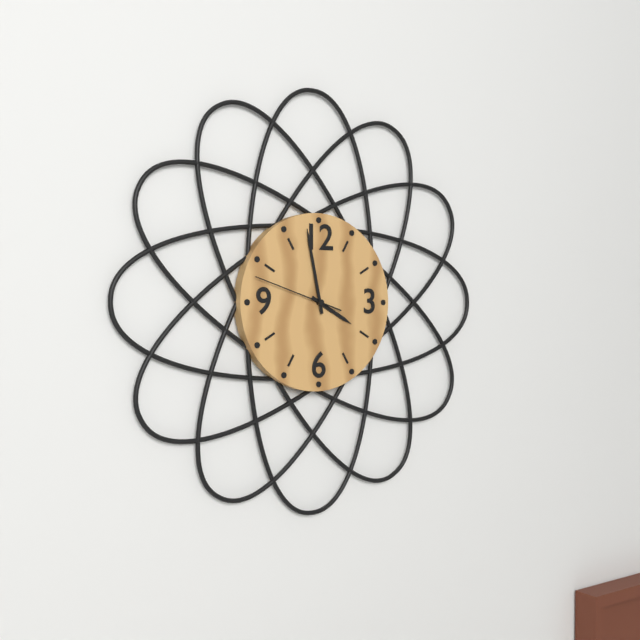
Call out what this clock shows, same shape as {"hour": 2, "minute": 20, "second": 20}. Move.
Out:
{"hour": 3, "minute": 58, "second": 48}
